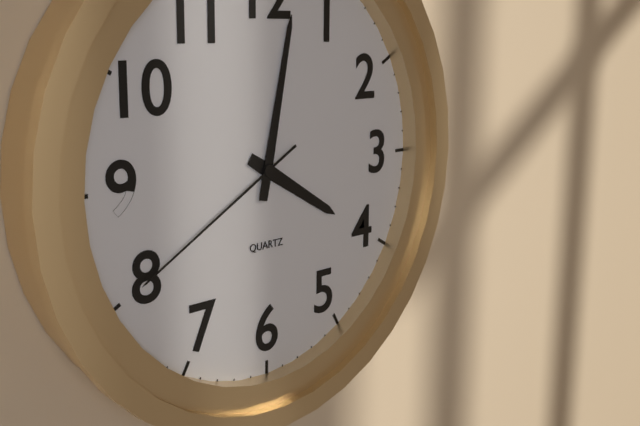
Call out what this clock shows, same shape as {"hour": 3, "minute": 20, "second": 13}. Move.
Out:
{"hour": 4, "minute": 2, "second": 40}
